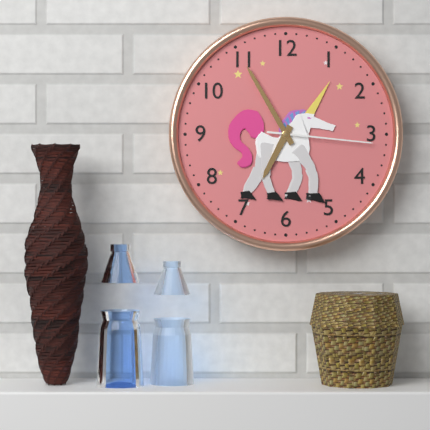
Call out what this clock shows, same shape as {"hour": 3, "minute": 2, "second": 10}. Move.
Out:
{"hour": 6, "minute": 55, "second": 16}
